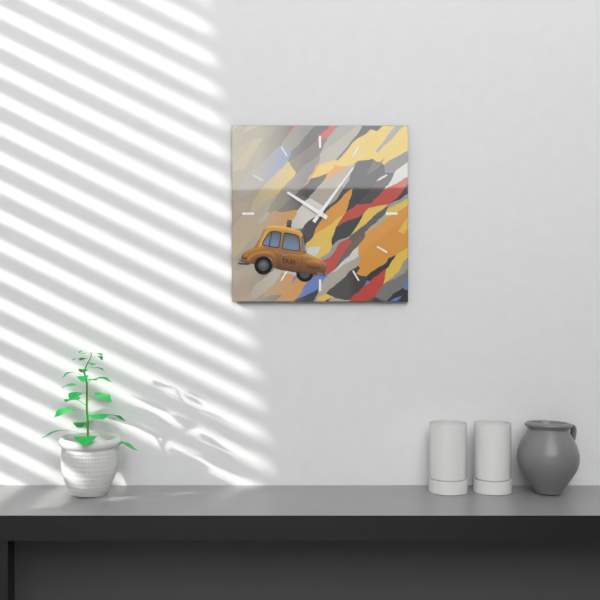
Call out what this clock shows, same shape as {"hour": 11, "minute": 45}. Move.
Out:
{"hour": 10, "minute": 6}
